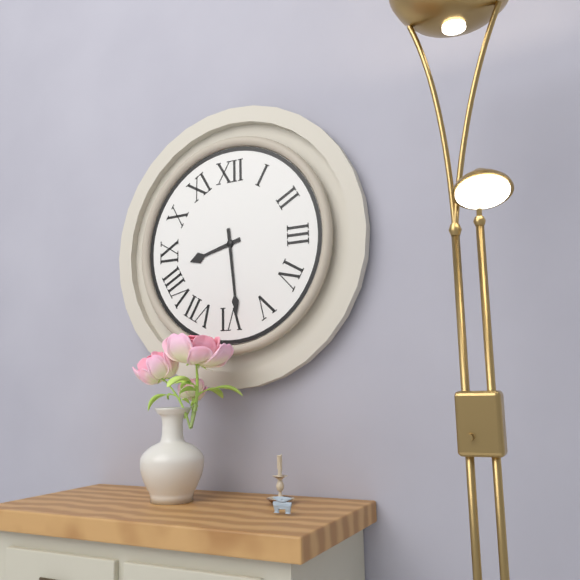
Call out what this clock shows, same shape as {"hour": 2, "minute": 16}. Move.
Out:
{"hour": 8, "minute": 29}
